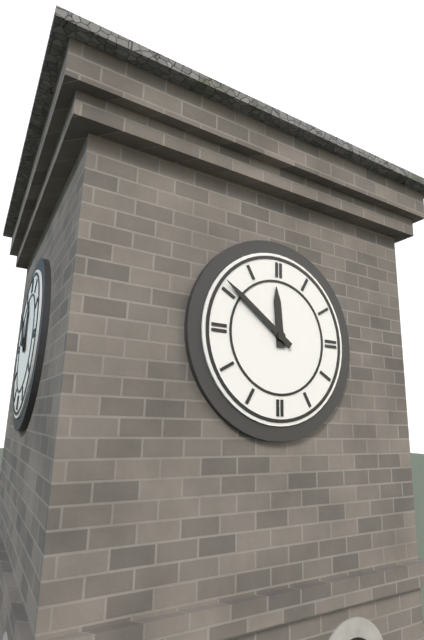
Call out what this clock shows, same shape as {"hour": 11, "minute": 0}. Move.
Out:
{"hour": 11, "minute": 51}
